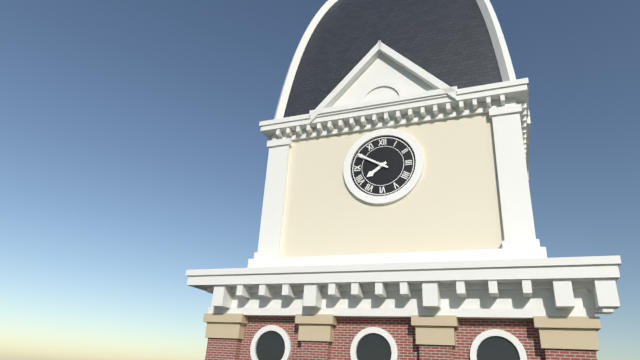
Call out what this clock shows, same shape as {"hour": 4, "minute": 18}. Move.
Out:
{"hour": 7, "minute": 50}
